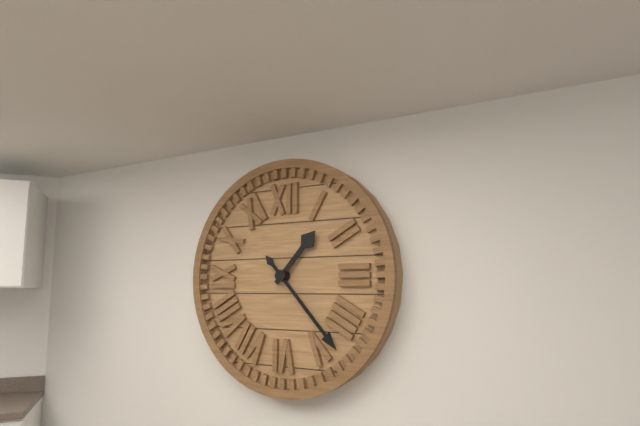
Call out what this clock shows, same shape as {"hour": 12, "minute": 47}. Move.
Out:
{"hour": 1, "minute": 23}
